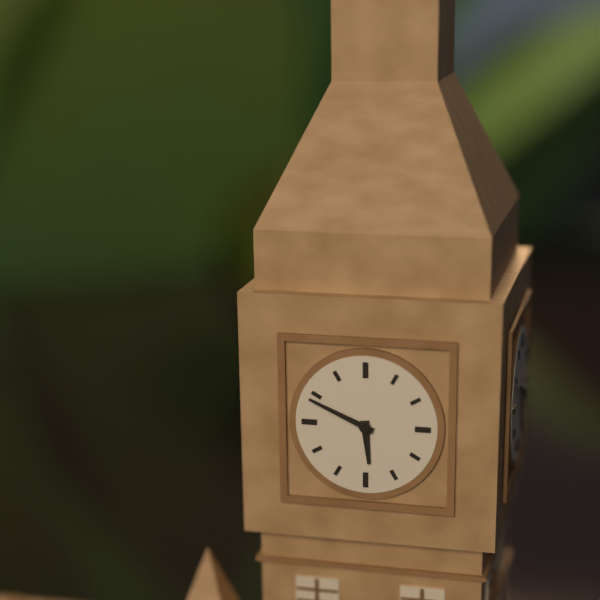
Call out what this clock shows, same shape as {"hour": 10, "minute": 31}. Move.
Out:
{"hour": 5, "minute": 49}
